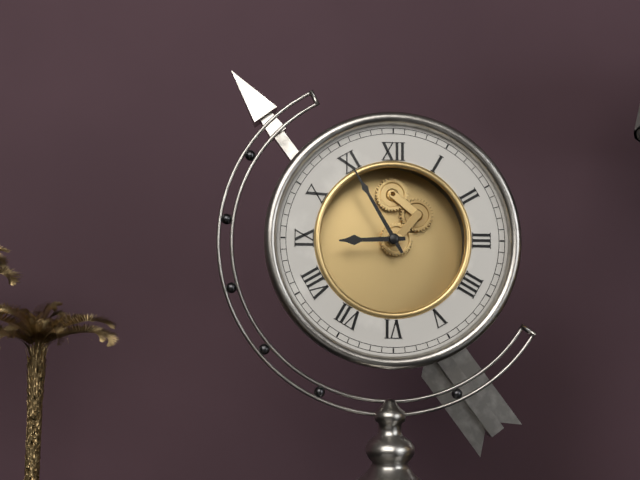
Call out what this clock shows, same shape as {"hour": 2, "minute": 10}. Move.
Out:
{"hour": 8, "minute": 55}
